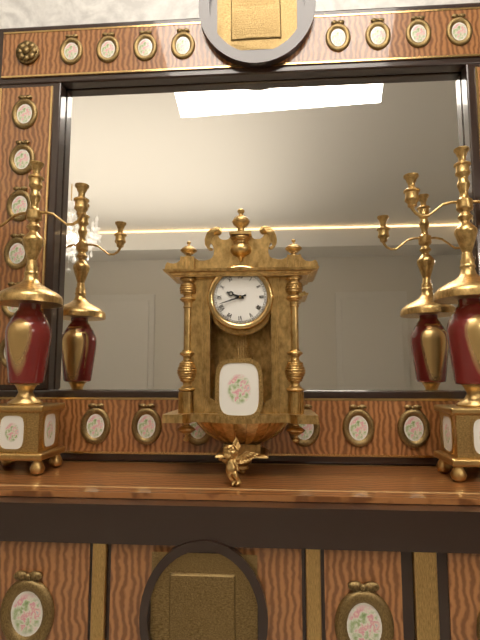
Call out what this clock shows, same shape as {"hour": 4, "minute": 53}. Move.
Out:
{"hour": 9, "minute": 42}
